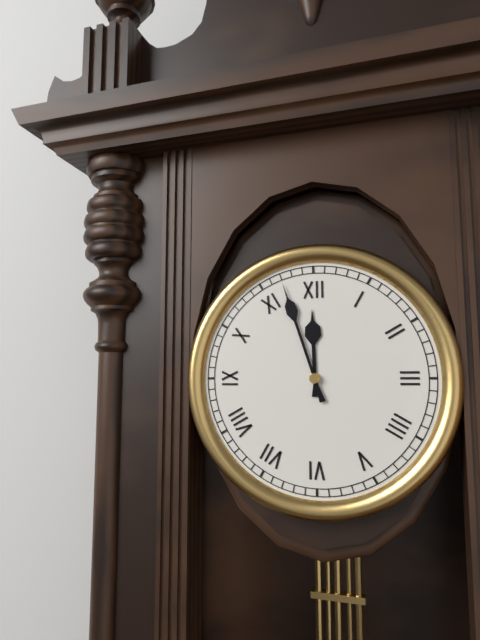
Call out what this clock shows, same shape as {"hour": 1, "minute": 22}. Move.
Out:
{"hour": 11, "minute": 57}
